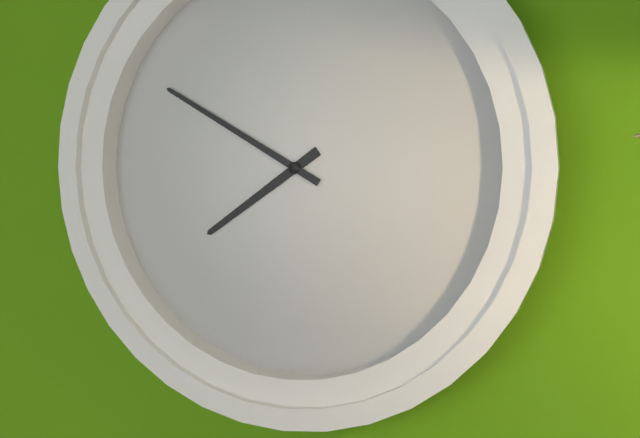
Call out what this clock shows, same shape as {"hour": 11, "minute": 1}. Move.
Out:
{"hour": 7, "minute": 50}
